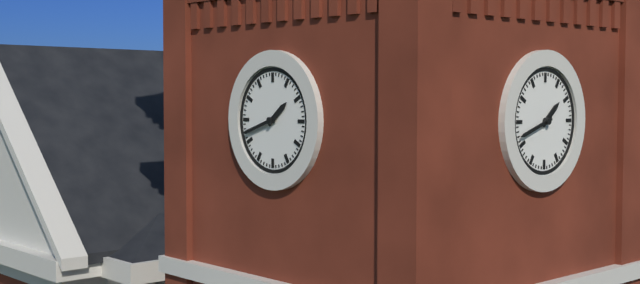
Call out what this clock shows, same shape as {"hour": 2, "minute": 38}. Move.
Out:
{"hour": 1, "minute": 42}
